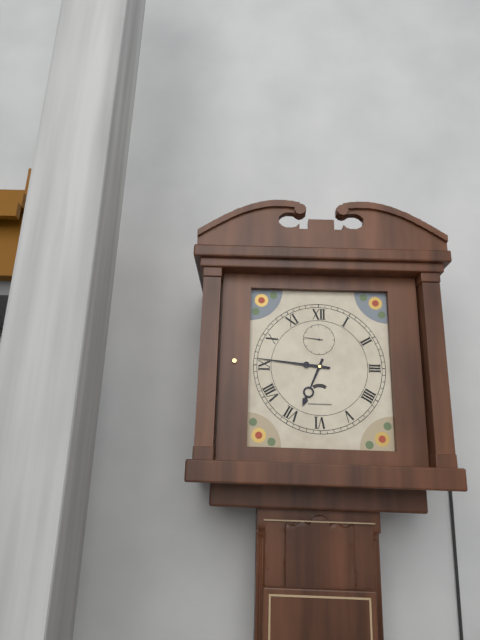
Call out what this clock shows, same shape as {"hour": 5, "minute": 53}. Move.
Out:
{"hour": 6, "minute": 46}
